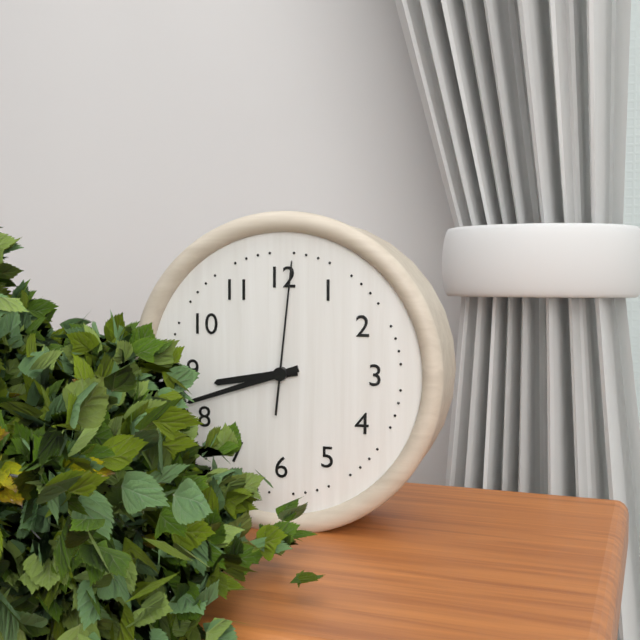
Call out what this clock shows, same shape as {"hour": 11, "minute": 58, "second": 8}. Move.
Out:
{"hour": 8, "minute": 42, "second": 1}
